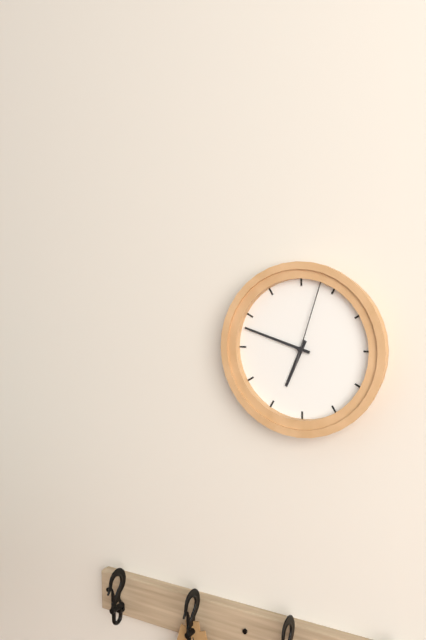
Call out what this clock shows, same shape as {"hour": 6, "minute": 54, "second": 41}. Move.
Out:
{"hour": 6, "minute": 48, "second": 3}
